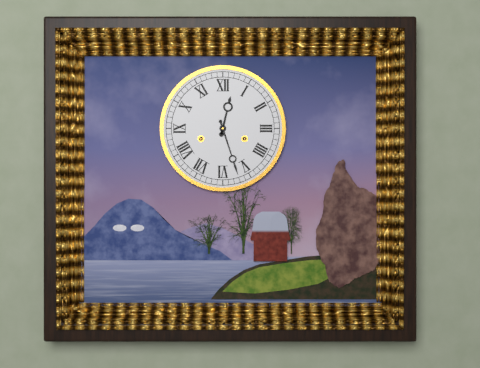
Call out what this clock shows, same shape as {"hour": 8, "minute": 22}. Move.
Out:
{"hour": 12, "minute": 27}
